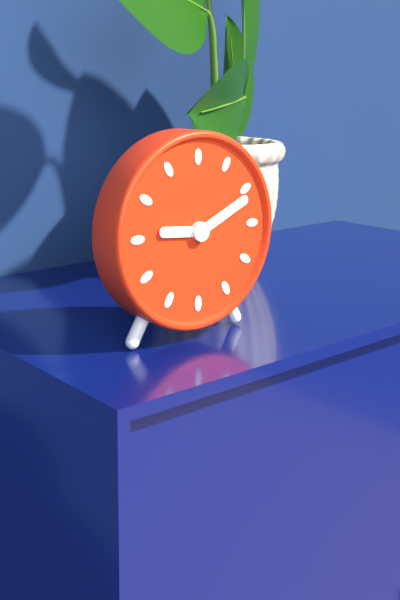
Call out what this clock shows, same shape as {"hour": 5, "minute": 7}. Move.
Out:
{"hour": 9, "minute": 11}
